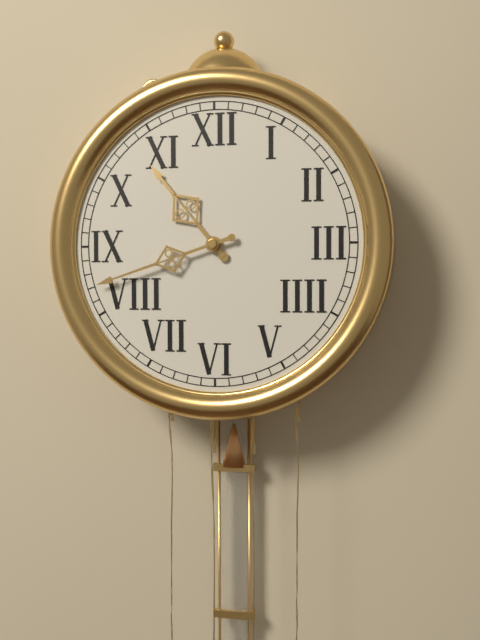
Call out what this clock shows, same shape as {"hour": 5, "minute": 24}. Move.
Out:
{"hour": 10, "minute": 42}
